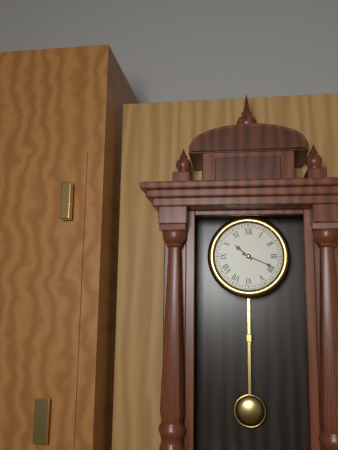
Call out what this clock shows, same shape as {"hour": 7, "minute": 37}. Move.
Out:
{"hour": 10, "minute": 19}
